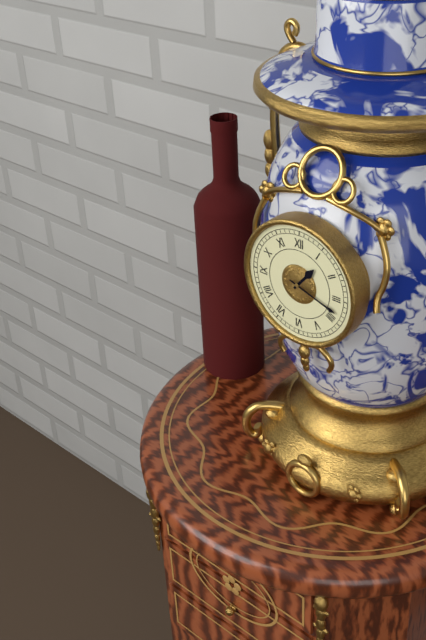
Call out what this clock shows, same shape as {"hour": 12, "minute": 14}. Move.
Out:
{"hour": 1, "minute": 18}
